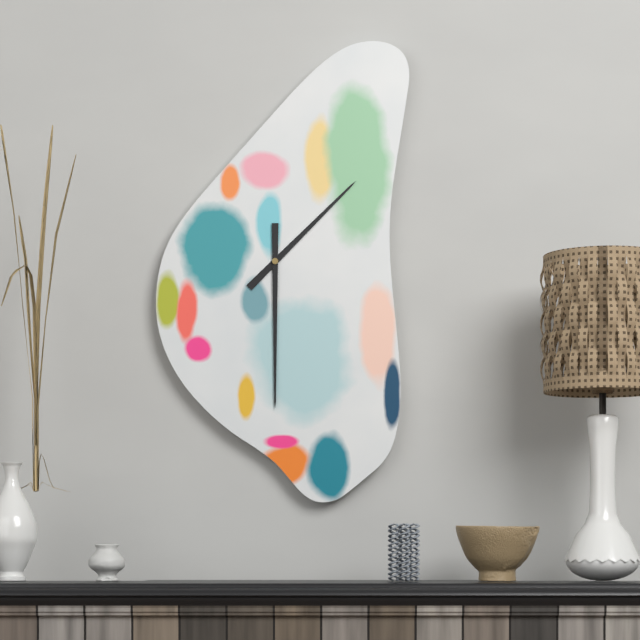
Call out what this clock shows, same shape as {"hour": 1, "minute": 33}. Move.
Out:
{"hour": 1, "minute": 30}
